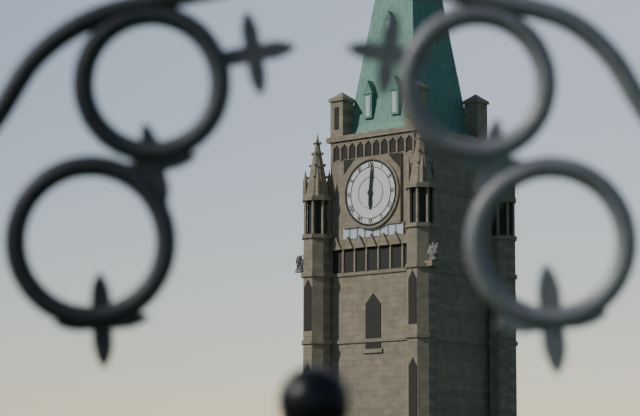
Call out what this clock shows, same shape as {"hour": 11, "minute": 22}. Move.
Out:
{"hour": 6, "minute": 1}
